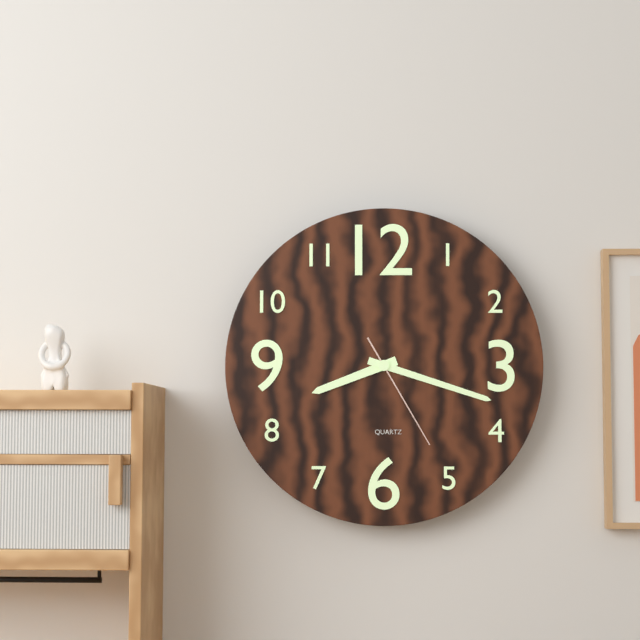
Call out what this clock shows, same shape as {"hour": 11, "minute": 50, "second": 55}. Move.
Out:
{"hour": 8, "minute": 18, "second": 25}
